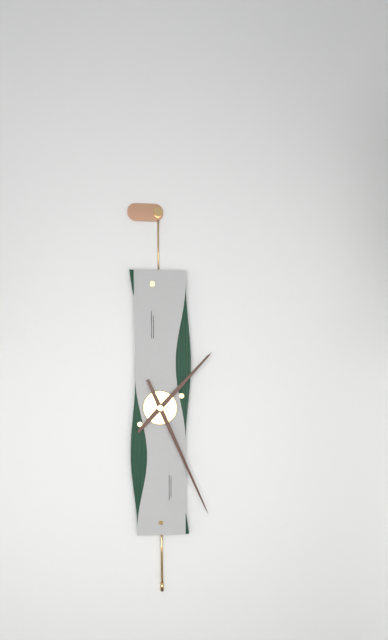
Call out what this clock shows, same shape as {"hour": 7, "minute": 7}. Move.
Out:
{"hour": 1, "minute": 26}
